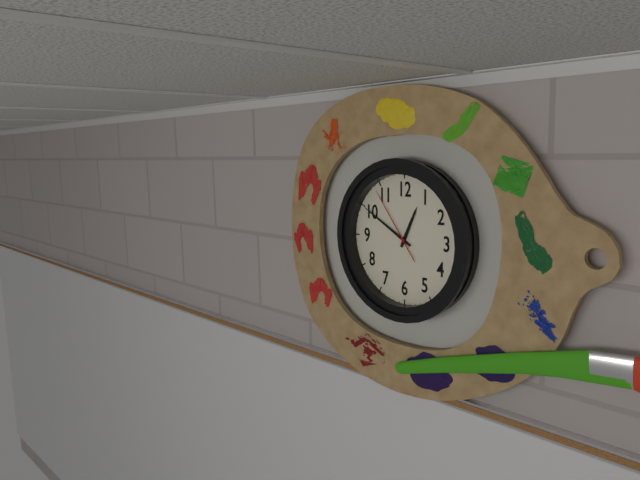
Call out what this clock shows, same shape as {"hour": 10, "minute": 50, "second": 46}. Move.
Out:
{"hour": 12, "minute": 50, "second": 54}
